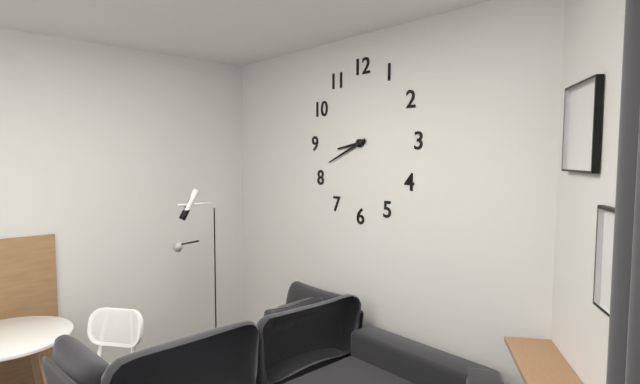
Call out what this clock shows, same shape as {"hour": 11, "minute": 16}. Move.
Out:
{"hour": 8, "minute": 41}
